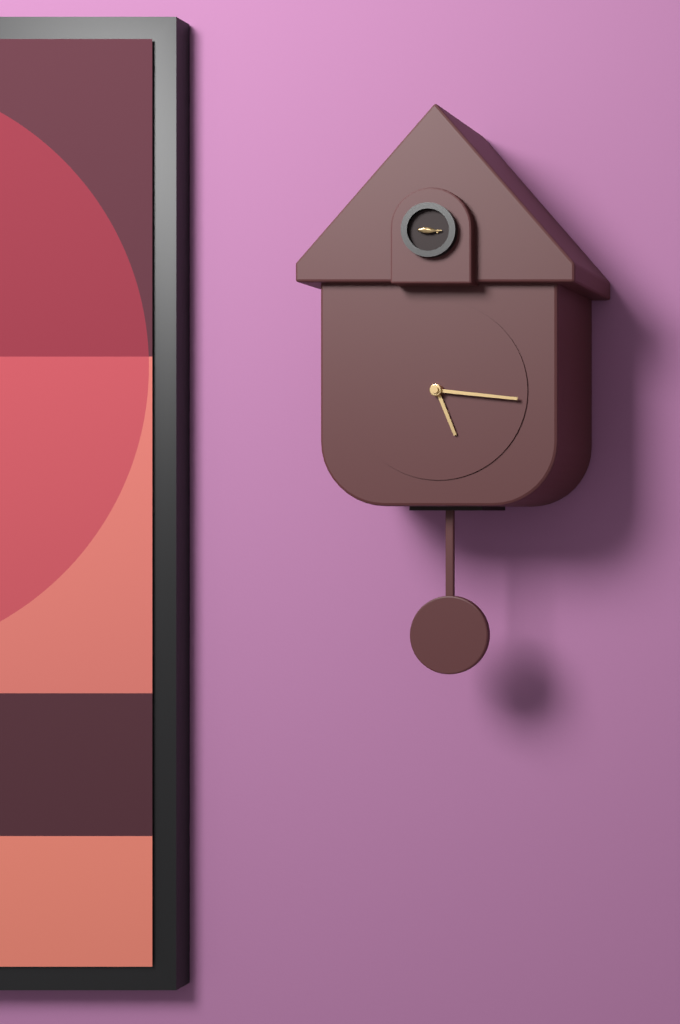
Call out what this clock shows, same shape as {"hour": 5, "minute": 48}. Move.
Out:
{"hour": 5, "minute": 16}
